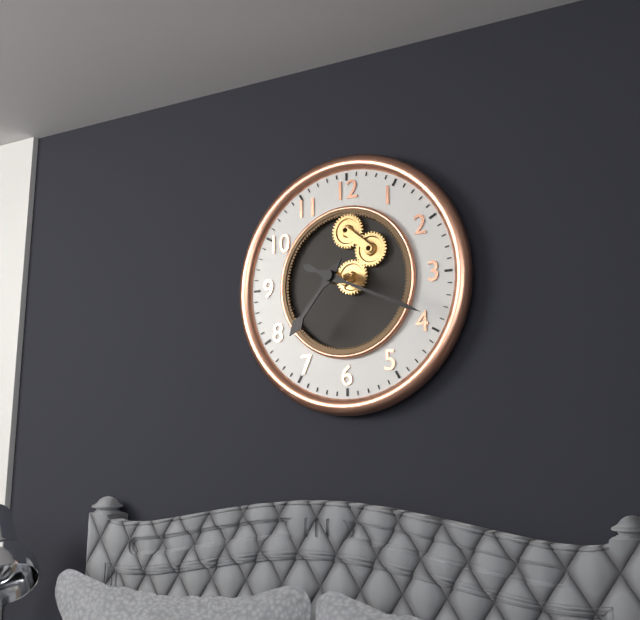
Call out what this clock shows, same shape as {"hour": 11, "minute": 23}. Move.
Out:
{"hour": 7, "minute": 19}
